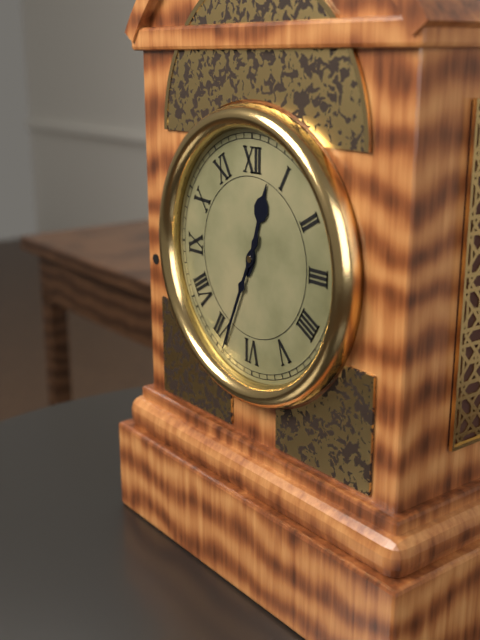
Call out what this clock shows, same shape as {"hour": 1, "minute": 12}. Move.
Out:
{"hour": 12, "minute": 34}
